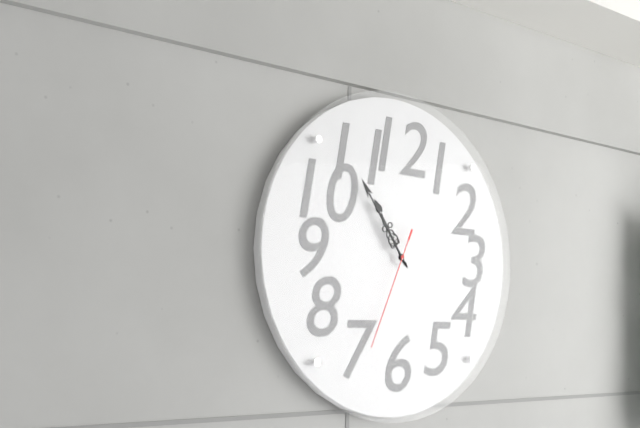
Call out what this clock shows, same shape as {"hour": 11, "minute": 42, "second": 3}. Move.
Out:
{"hour": 10, "minute": 54, "second": 34}
